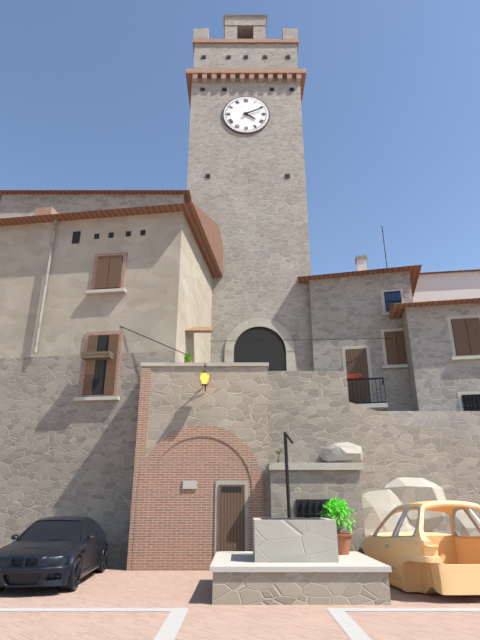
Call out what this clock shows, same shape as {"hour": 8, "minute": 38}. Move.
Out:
{"hour": 4, "minute": 11}
